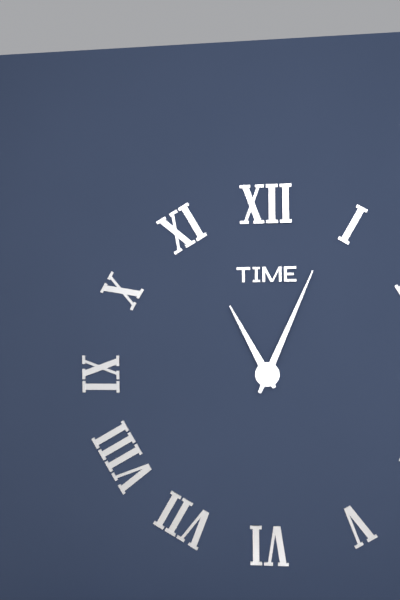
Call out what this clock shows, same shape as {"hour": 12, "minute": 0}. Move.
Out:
{"hour": 11, "minute": 4}
